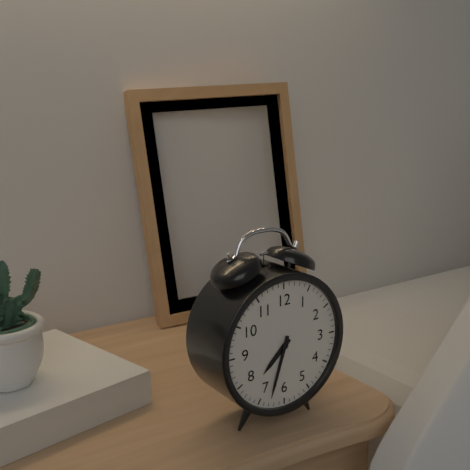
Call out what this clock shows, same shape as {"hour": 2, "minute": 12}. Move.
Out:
{"hour": 7, "minute": 33}
